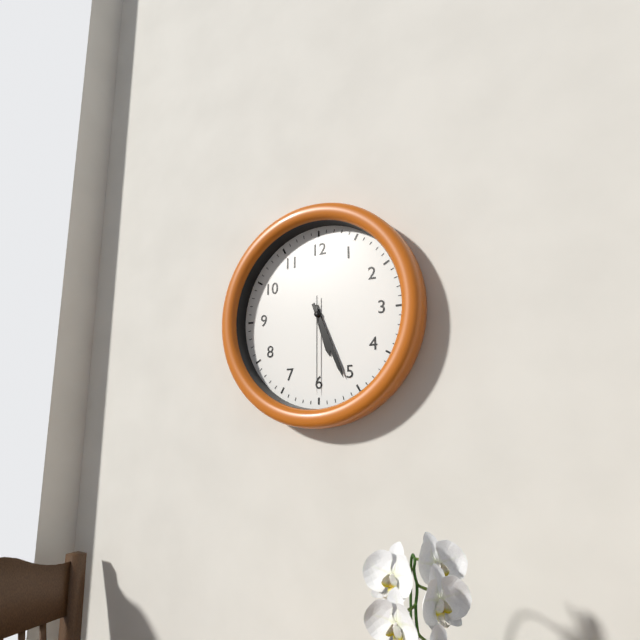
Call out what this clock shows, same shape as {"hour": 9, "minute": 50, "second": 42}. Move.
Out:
{"hour": 5, "minute": 26, "second": 30}
